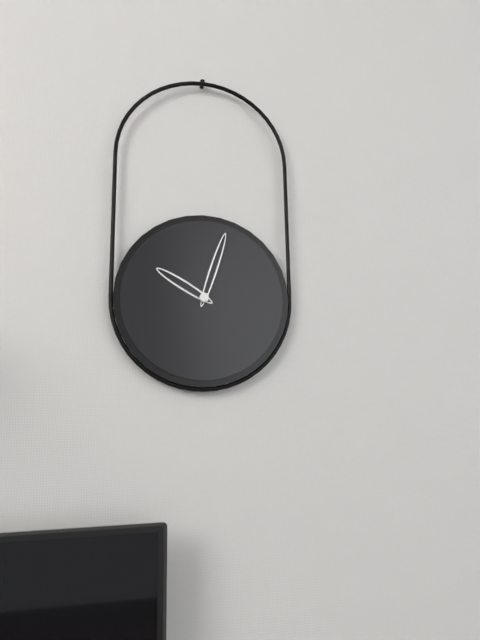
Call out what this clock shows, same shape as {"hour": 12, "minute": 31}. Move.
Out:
{"hour": 10, "minute": 3}
